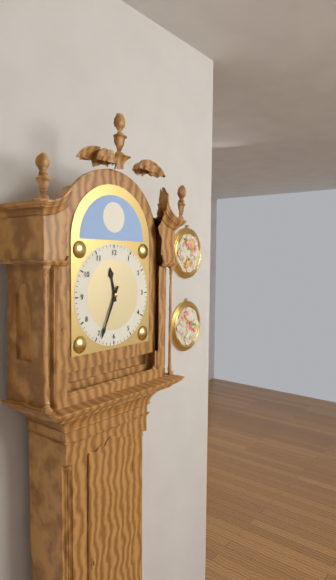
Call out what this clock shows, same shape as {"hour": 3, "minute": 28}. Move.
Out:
{"hour": 11, "minute": 34}
